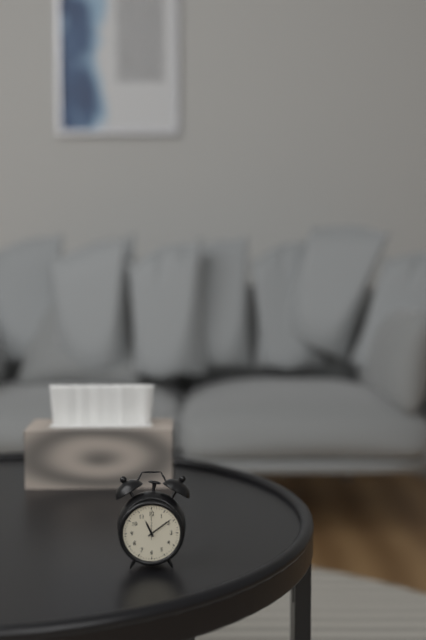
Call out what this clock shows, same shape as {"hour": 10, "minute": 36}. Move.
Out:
{"hour": 11, "minute": 9}
